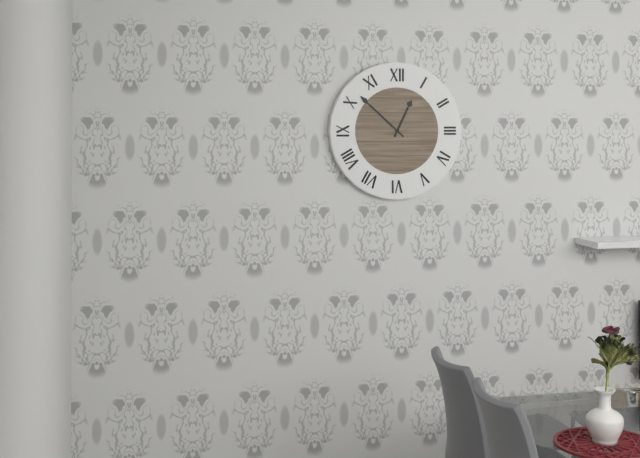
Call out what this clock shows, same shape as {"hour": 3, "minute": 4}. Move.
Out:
{"hour": 12, "minute": 52}
